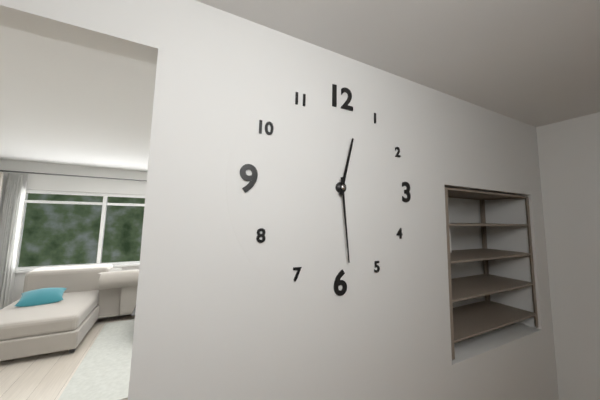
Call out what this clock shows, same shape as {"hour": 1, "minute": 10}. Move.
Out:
{"hour": 12, "minute": 29}
